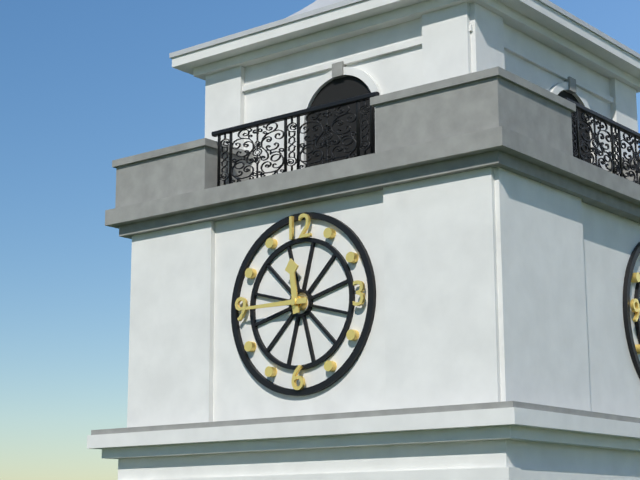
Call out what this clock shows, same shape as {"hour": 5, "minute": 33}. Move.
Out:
{"hour": 11, "minute": 45}
